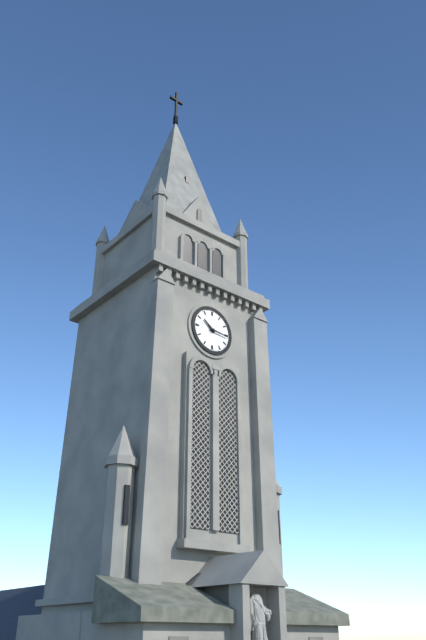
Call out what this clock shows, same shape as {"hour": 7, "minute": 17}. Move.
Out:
{"hour": 10, "minute": 16}
